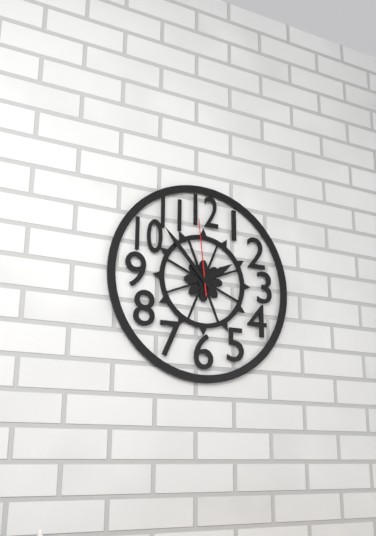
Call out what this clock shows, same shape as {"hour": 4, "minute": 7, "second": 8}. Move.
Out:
{"hour": 1, "minute": 53, "second": 59}
